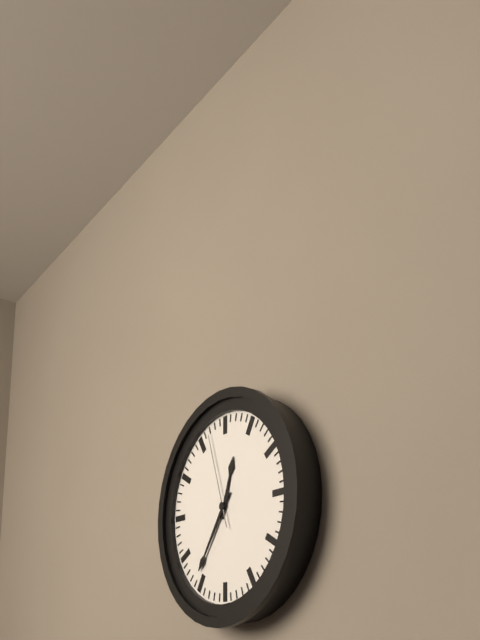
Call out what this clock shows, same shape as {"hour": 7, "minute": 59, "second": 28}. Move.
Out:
{"hour": 12, "minute": 36, "second": 57}
